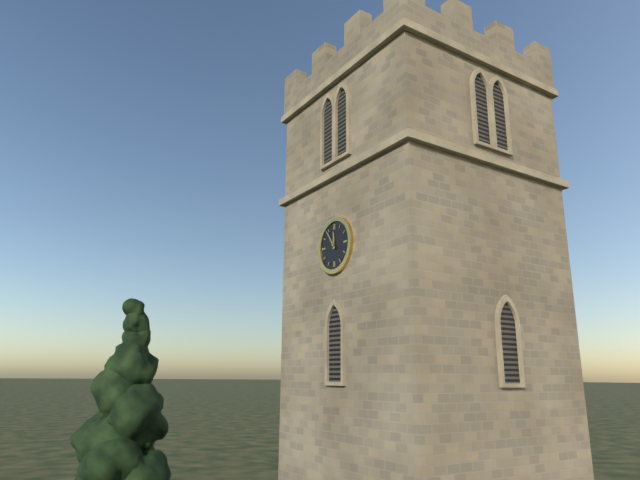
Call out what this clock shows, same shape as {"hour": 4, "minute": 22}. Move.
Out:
{"hour": 11, "minute": 54}
